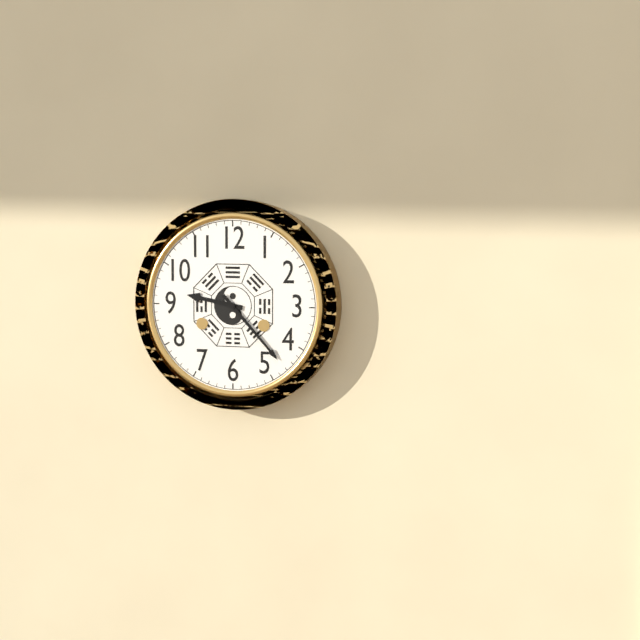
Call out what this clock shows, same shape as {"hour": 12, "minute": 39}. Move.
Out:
{"hour": 9, "minute": 23}
